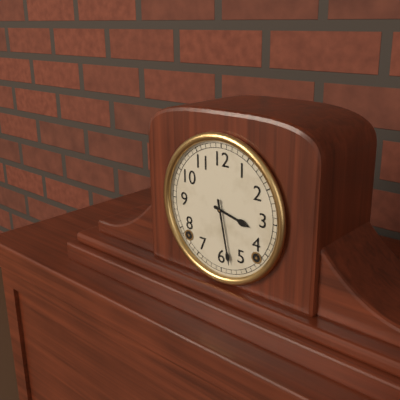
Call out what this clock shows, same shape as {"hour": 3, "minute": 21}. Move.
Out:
{"hour": 3, "minute": 28}
